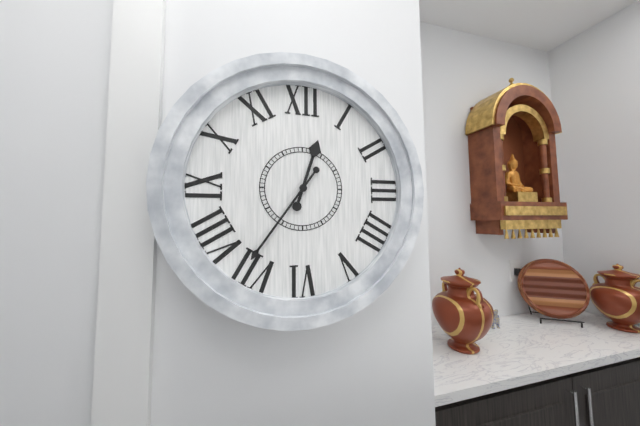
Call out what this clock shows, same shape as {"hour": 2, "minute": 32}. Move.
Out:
{"hour": 12, "minute": 36}
